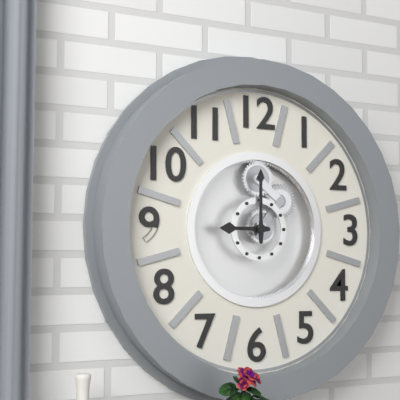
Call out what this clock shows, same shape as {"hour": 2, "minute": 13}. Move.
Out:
{"hour": 9, "minute": 0}
